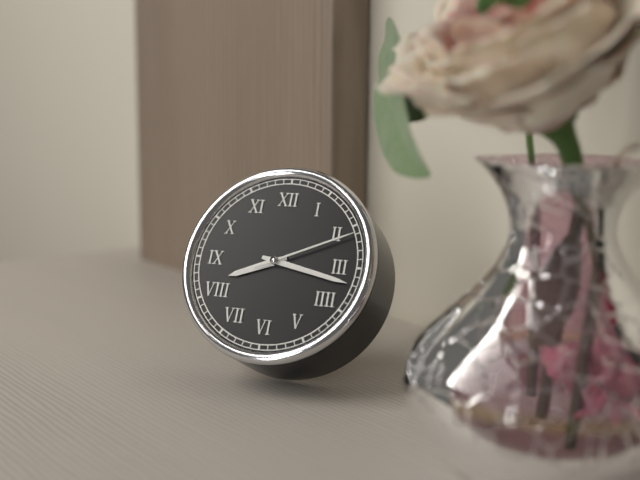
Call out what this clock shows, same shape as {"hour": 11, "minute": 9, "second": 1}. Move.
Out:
{"hour": 8, "minute": 17, "second": 11}
